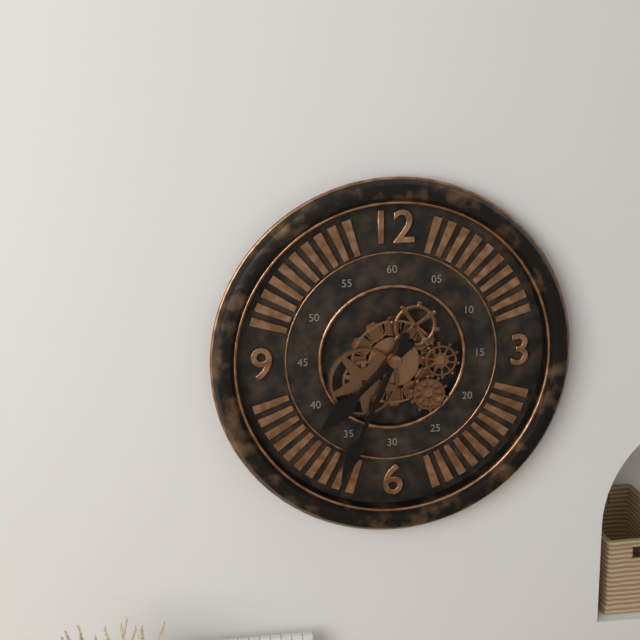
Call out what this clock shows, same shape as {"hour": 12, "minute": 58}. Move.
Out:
{"hour": 7, "minute": 34}
